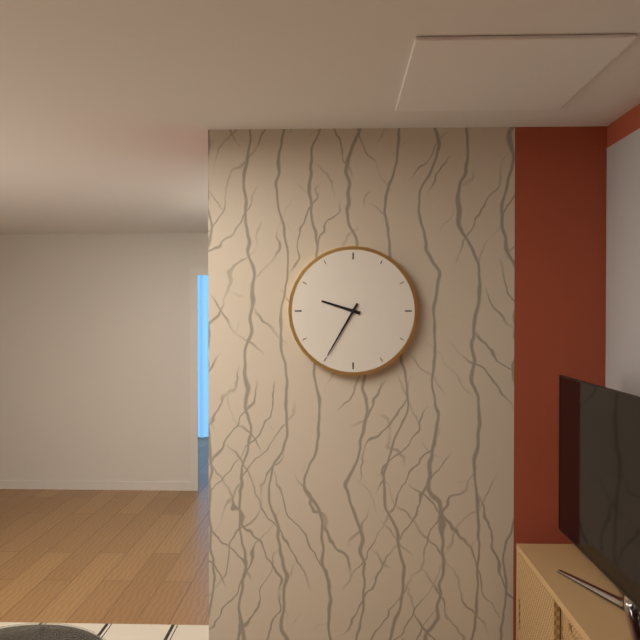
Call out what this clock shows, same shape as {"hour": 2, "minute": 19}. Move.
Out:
{"hour": 9, "minute": 35}
